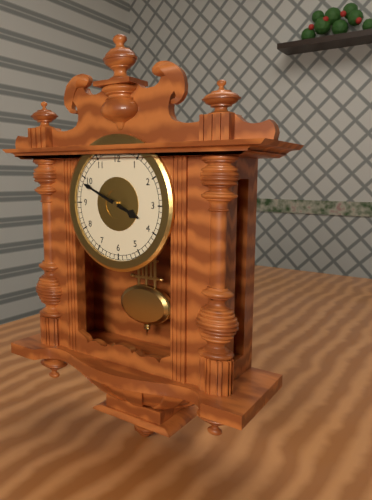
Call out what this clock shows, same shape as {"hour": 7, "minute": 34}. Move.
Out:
{"hour": 3, "minute": 49}
